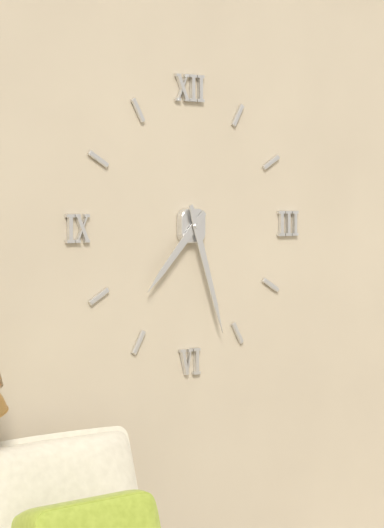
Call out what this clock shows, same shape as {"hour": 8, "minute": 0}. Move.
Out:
{"hour": 7, "minute": 27}
